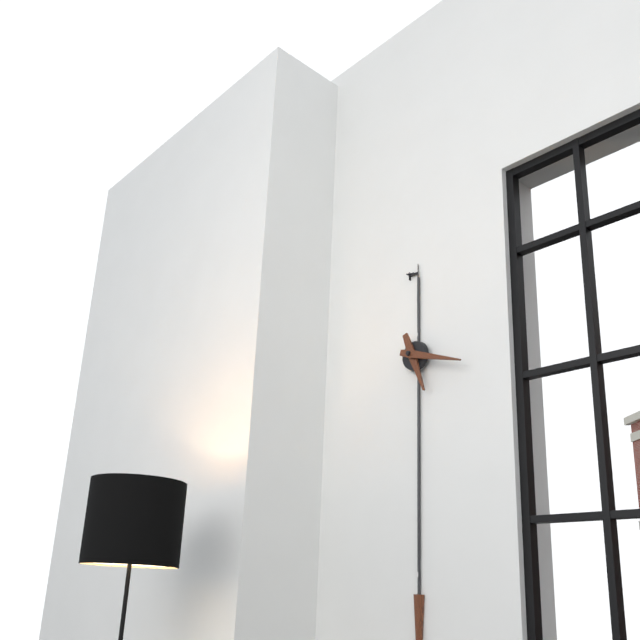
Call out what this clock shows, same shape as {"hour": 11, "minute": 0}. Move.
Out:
{"hour": 5, "minute": 18}
